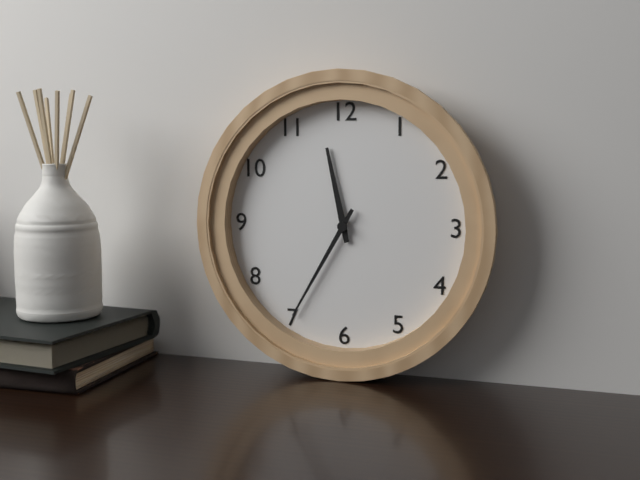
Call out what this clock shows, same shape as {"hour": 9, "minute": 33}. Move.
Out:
{"hour": 11, "minute": 35}
